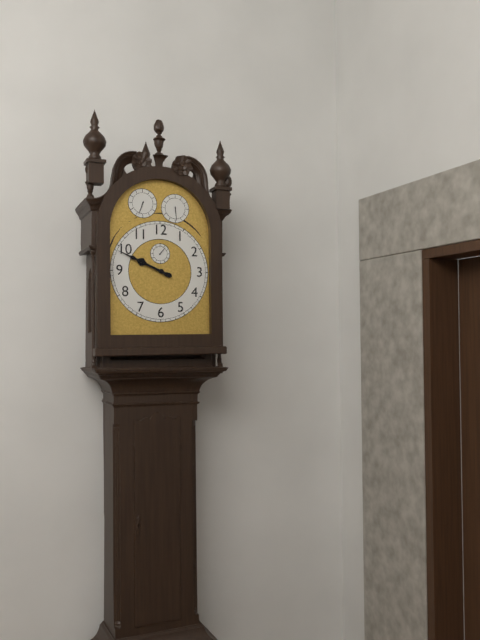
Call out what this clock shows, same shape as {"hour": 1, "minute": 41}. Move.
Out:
{"hour": 9, "minute": 49}
